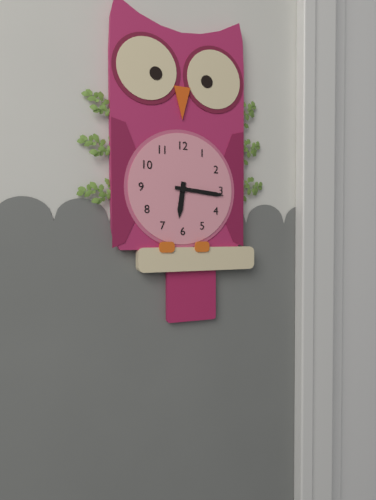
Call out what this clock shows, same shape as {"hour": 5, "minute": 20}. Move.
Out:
{"hour": 6, "minute": 16}
